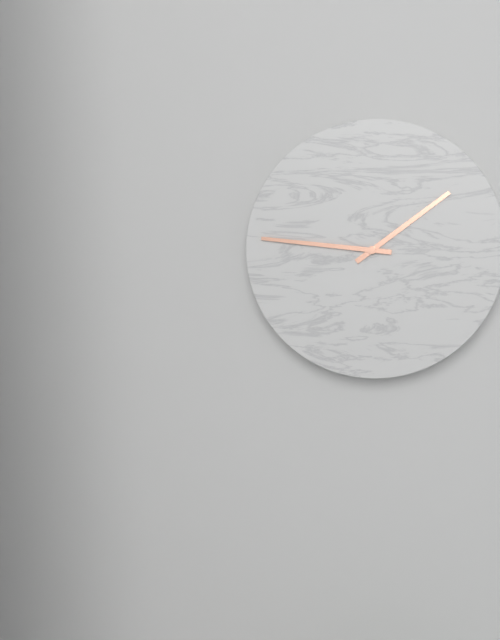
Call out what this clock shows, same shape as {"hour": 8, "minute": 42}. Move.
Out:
{"hour": 1, "minute": 46}
